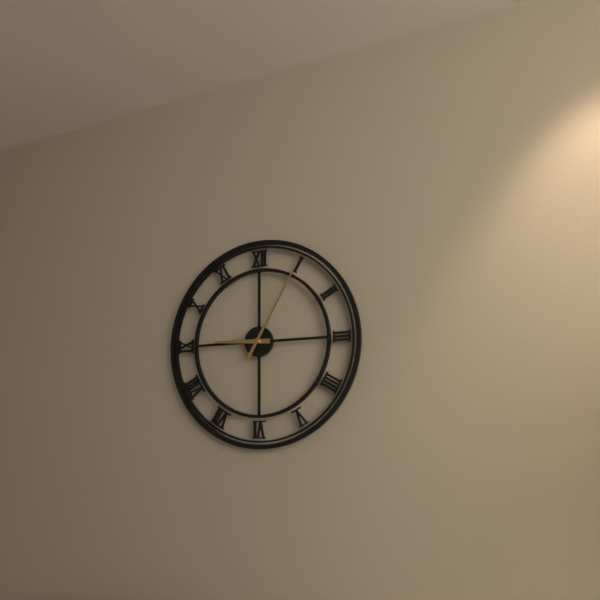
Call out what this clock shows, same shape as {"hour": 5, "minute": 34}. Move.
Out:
{"hour": 9, "minute": 5}
